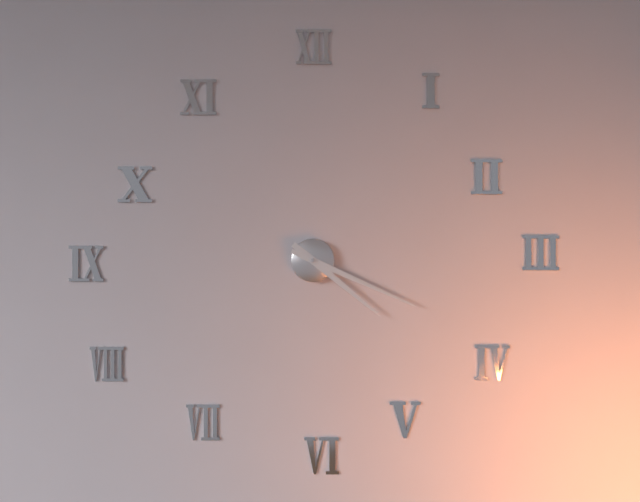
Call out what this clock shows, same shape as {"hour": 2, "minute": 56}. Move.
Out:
{"hour": 4, "minute": 19}
